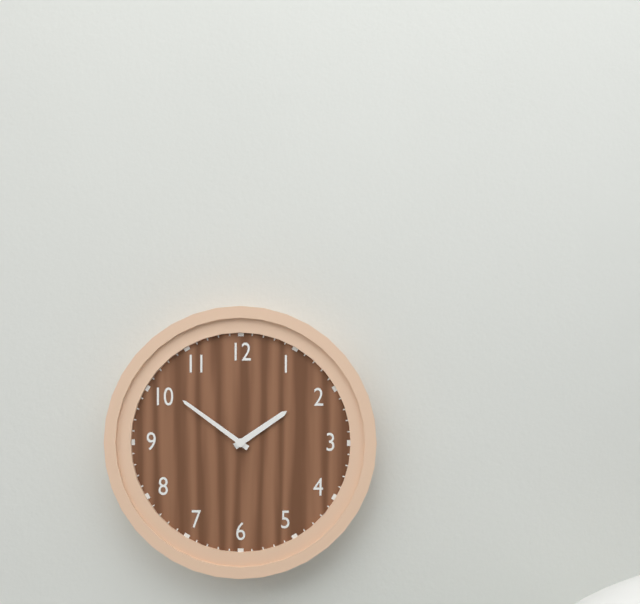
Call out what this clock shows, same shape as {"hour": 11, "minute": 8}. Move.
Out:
{"hour": 1, "minute": 51}
